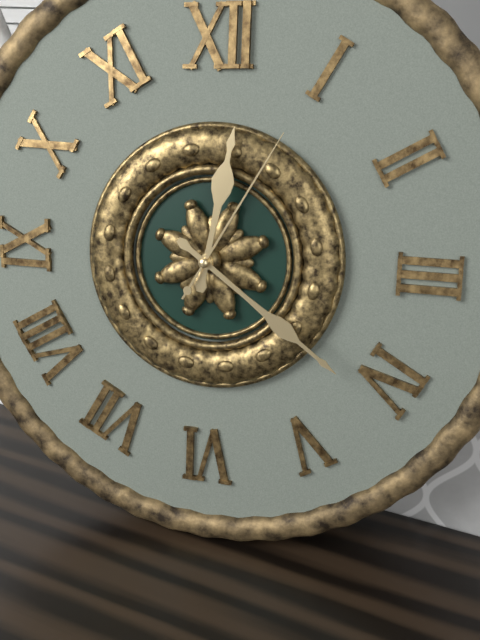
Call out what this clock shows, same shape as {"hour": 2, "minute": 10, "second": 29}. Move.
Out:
{"hour": 12, "minute": 21, "second": 5}
